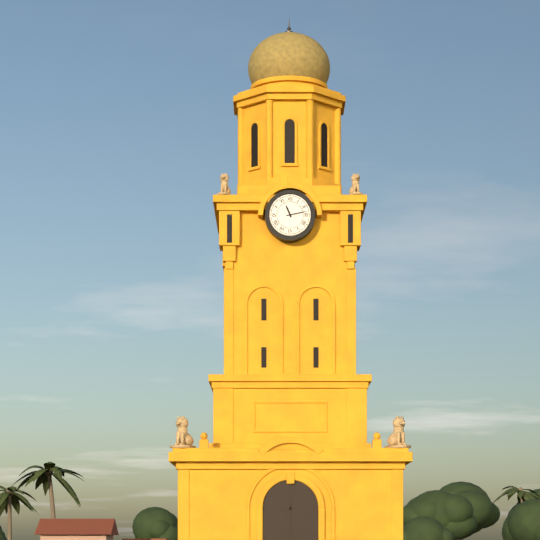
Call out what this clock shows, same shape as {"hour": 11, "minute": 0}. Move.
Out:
{"hour": 11, "minute": 13}
